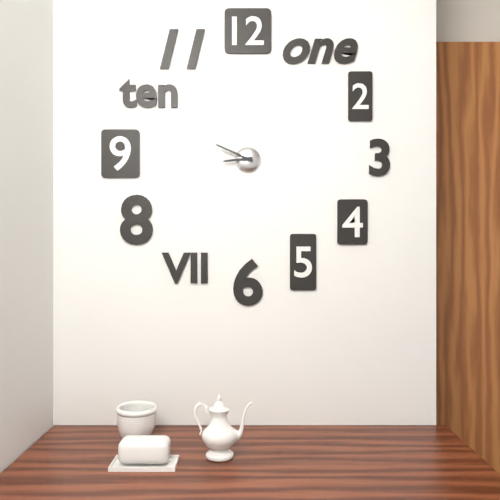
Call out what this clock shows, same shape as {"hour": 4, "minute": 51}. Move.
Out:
{"hour": 8, "minute": 49}
